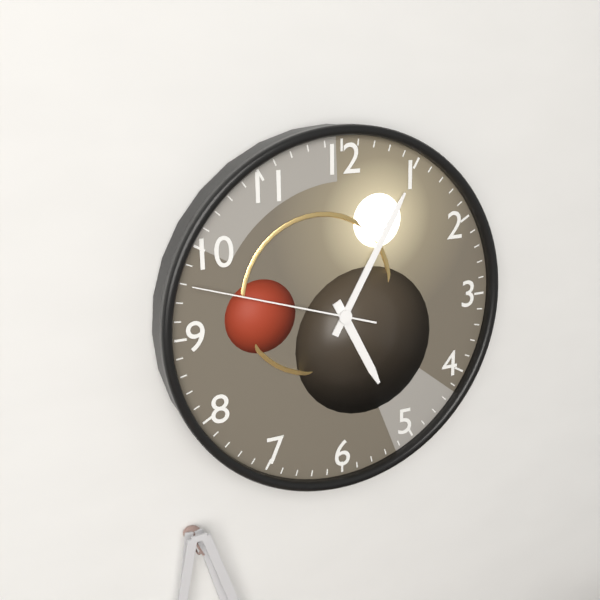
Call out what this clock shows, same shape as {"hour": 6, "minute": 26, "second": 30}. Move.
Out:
{"hour": 5, "minute": 5, "second": 48}
